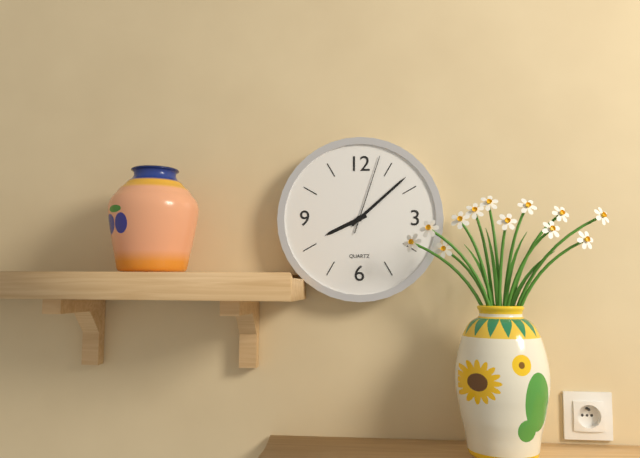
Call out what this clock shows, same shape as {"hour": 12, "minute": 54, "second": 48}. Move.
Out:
{"hour": 8, "minute": 8, "second": 3}
